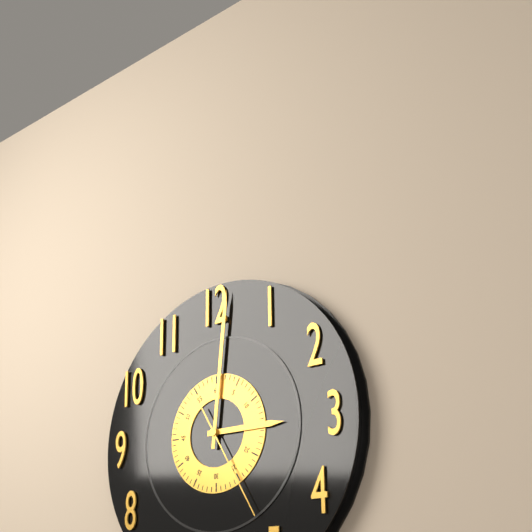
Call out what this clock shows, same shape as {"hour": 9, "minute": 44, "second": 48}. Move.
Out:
{"hour": 3, "minute": 1, "second": 25}
